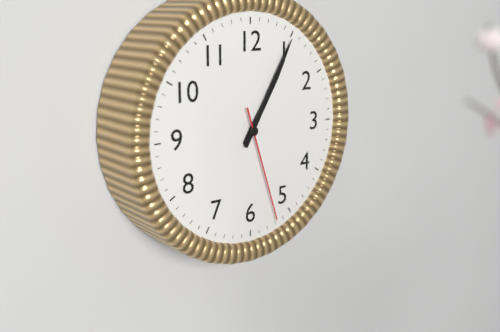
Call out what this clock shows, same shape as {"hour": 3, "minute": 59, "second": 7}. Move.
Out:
{"hour": 1, "minute": 5, "second": 27}
